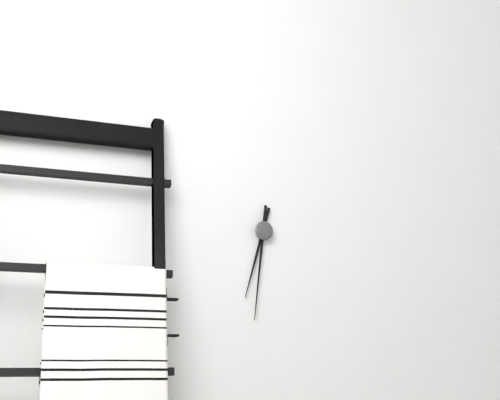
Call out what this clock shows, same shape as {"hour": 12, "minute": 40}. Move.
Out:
{"hour": 6, "minute": 31}
